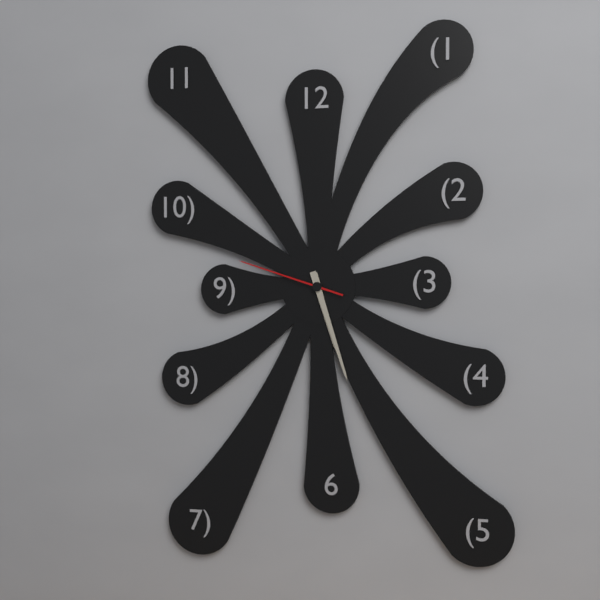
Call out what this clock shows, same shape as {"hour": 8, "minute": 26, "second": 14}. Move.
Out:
{"hour": 5, "minute": 27, "second": 48}
